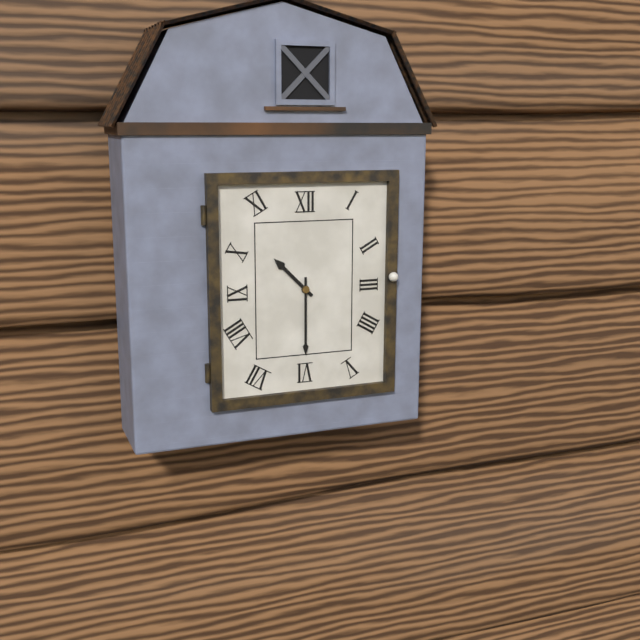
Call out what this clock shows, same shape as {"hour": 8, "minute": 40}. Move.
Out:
{"hour": 10, "minute": 30}
